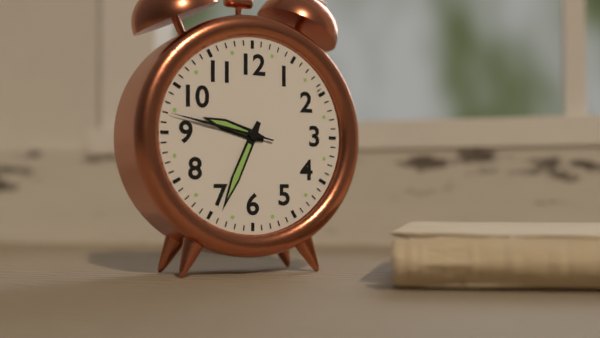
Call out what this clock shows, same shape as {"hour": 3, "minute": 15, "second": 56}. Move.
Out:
{"hour": 9, "minute": 34, "second": 47}
